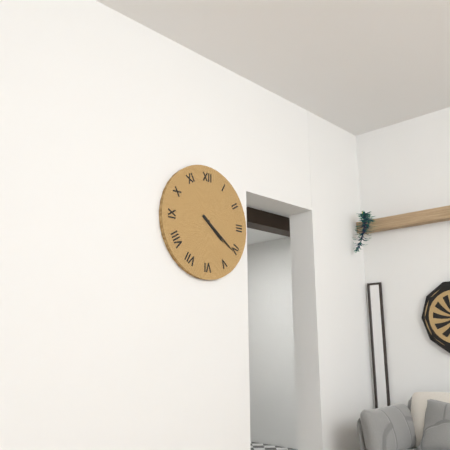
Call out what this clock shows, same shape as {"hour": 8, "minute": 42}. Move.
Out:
{"hour": 4, "minute": 21}
